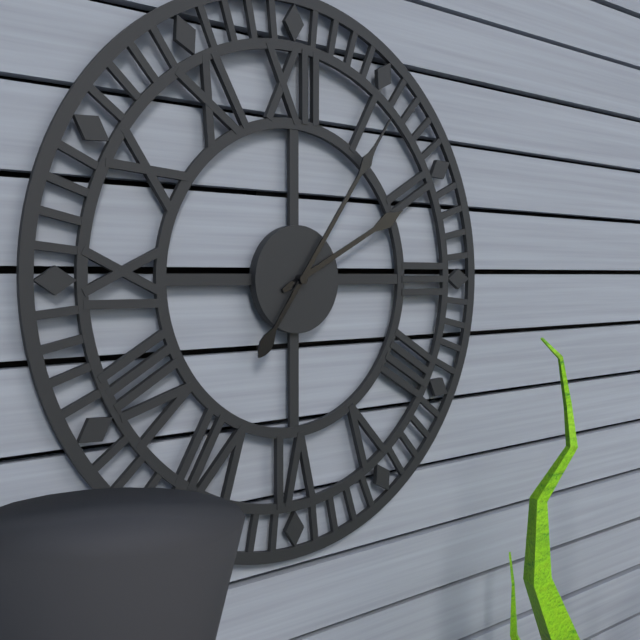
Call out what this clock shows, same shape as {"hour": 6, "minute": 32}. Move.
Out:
{"hour": 2, "minute": 6}
